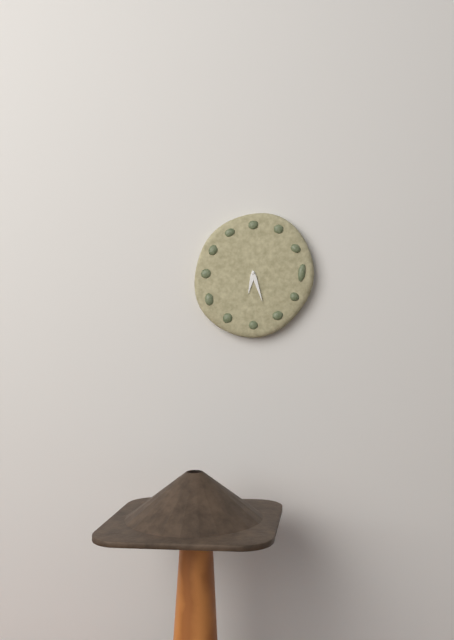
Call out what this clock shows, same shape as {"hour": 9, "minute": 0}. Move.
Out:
{"hour": 6, "minute": 27}
